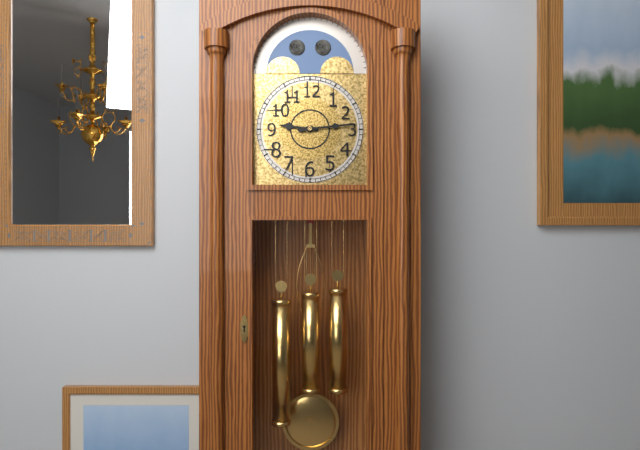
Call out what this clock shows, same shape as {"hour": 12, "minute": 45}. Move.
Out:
{"hour": 9, "minute": 14}
